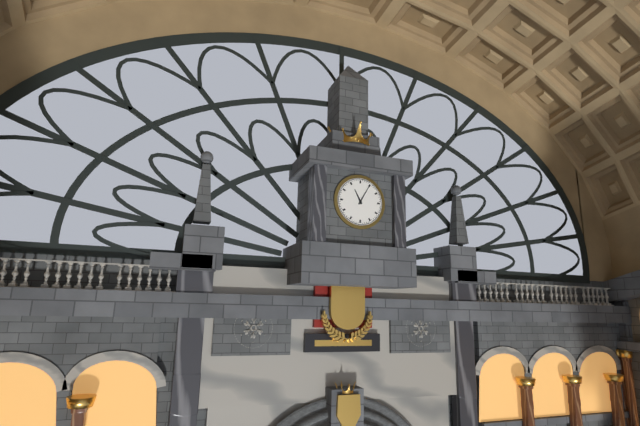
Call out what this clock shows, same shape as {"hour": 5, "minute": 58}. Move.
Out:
{"hour": 11, "minute": 5}
